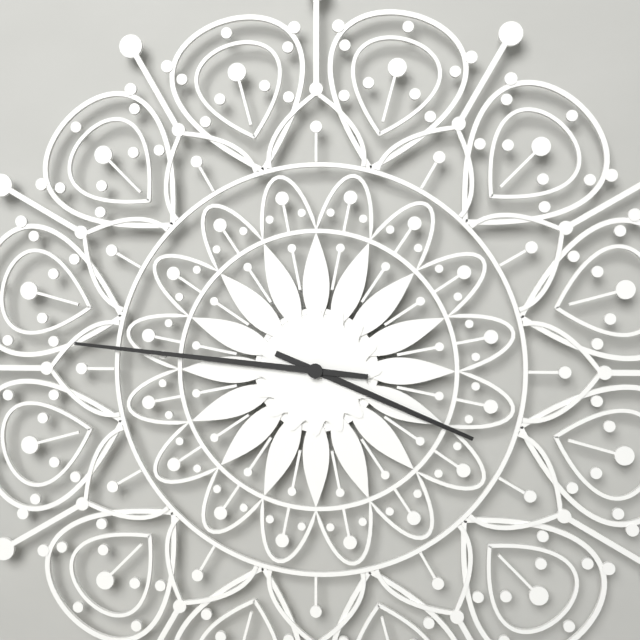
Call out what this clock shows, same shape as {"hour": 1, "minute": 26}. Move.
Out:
{"hour": 3, "minute": 46}
